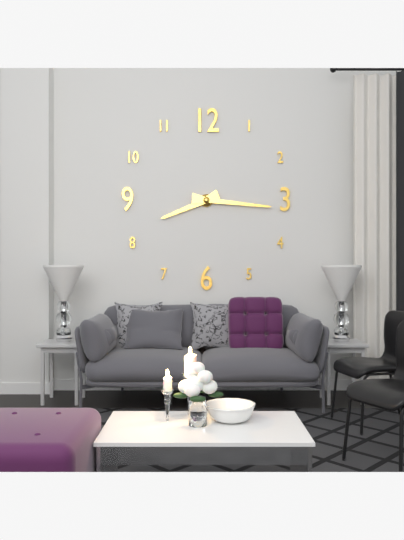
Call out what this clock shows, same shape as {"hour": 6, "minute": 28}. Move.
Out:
{"hour": 8, "minute": 16}
